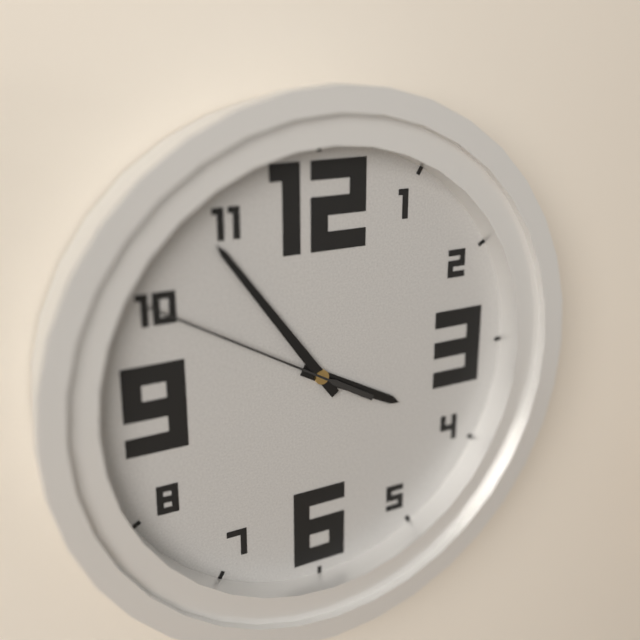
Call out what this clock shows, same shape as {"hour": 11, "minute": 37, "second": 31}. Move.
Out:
{"hour": 3, "minute": 54, "second": 50}
